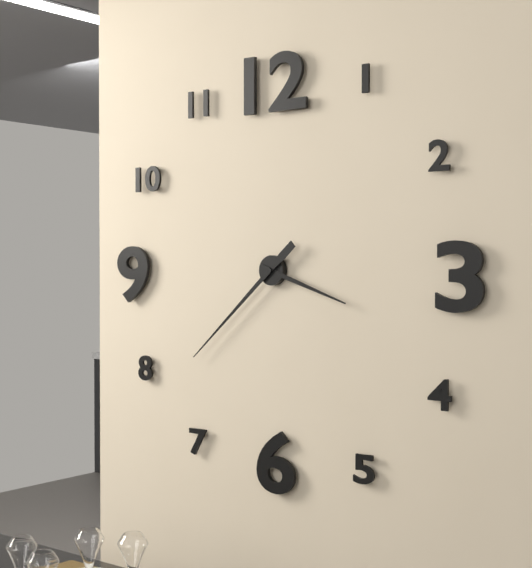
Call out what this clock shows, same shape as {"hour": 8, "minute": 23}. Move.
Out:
{"hour": 3, "minute": 38}
